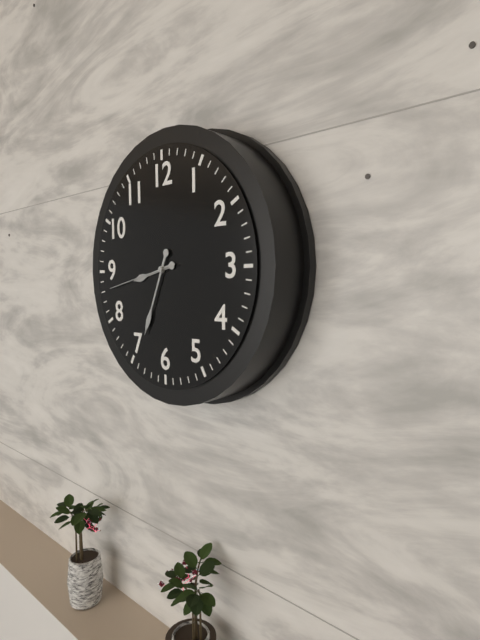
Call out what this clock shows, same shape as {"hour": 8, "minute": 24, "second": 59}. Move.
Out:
{"hour": 8, "minute": 34, "second": 43}
